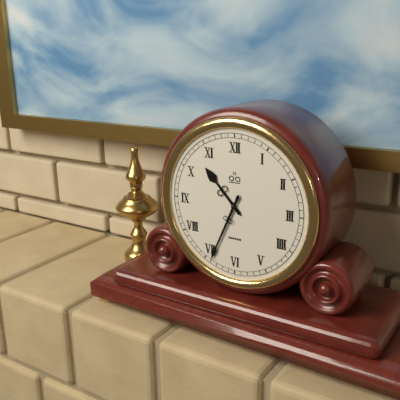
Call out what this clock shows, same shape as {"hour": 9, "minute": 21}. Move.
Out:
{"hour": 10, "minute": 34}
